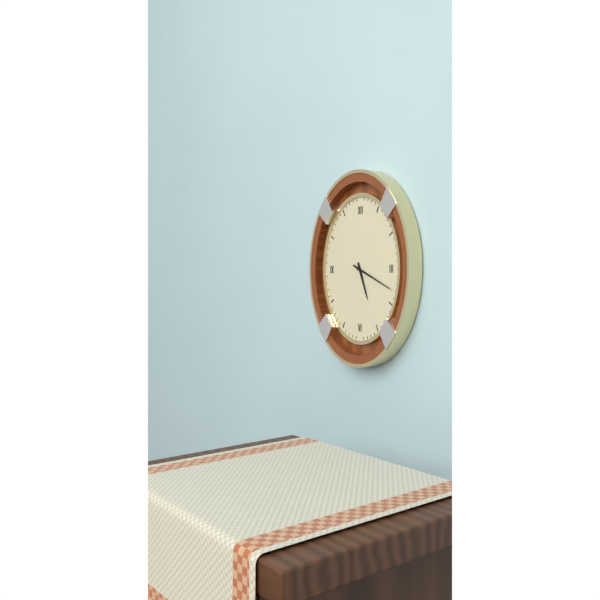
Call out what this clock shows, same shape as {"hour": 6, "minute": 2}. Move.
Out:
{"hour": 5, "minute": 19}
